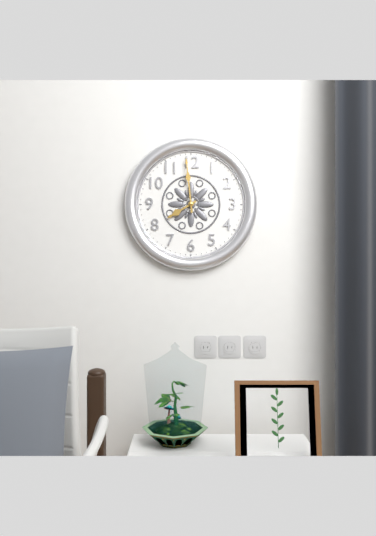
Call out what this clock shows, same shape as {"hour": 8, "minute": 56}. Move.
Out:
{"hour": 7, "minute": 59}
